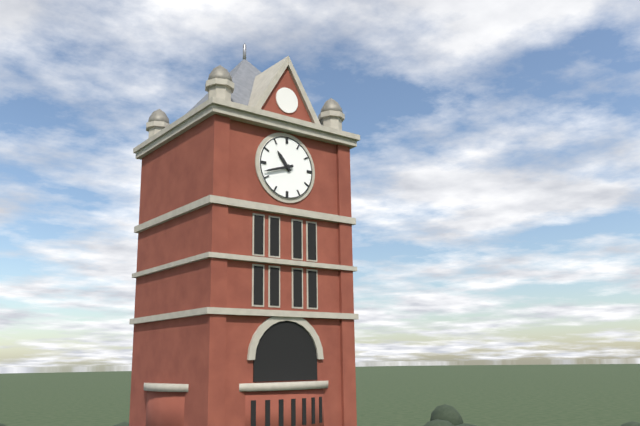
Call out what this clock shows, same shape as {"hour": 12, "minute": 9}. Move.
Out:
{"hour": 10, "minute": 42}
